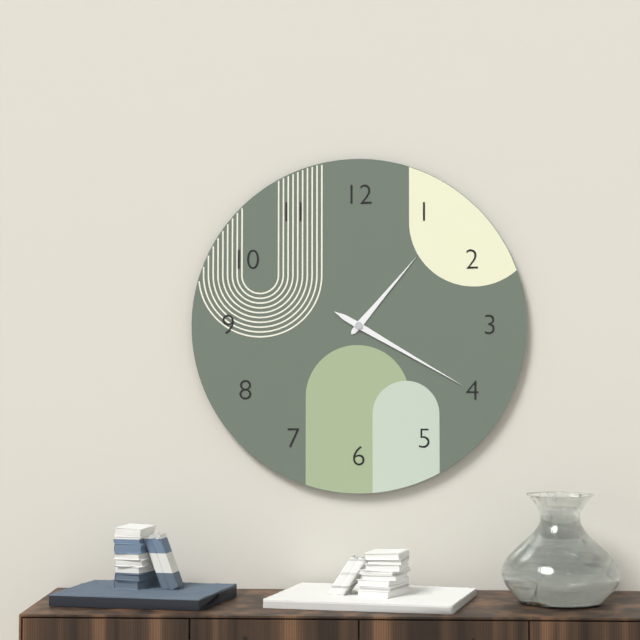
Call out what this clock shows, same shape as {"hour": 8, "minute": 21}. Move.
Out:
{"hour": 1, "minute": 20}
